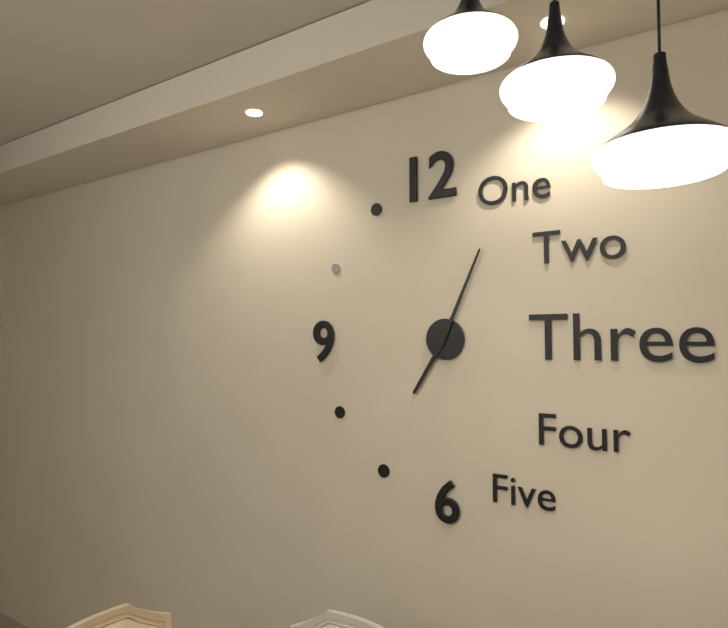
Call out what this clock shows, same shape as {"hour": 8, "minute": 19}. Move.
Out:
{"hour": 7, "minute": 4}
